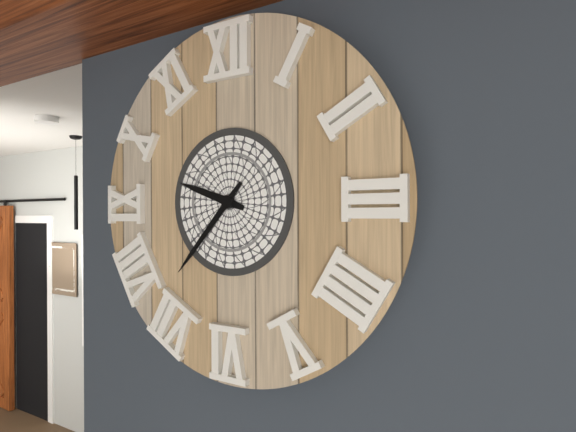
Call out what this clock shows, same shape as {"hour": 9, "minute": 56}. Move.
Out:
{"hour": 9, "minute": 37}
